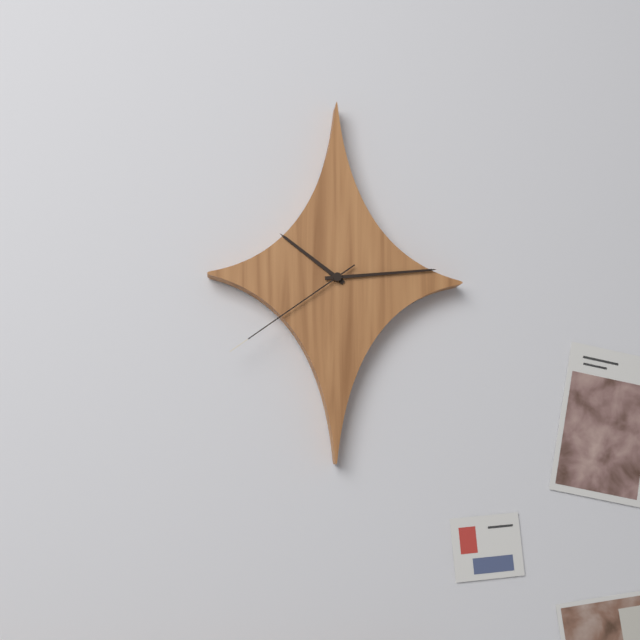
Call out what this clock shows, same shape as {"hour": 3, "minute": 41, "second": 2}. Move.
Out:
{"hour": 10, "minute": 14, "second": 39}
